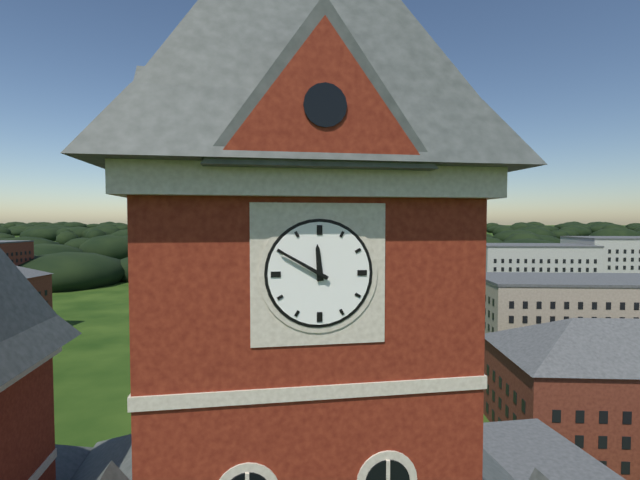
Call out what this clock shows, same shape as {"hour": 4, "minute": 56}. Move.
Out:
{"hour": 11, "minute": 50}
